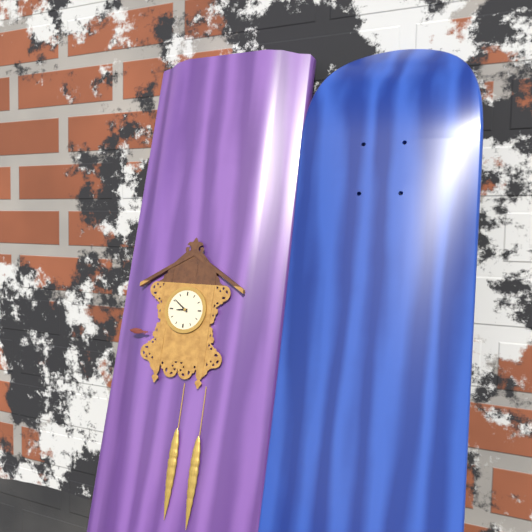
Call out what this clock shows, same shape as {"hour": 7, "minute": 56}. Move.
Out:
{"hour": 8, "minute": 51}
